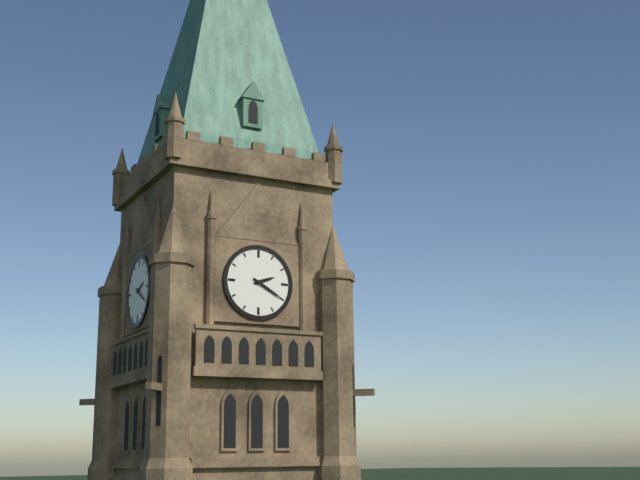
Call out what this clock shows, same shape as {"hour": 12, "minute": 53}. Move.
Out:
{"hour": 2, "minute": 20}
